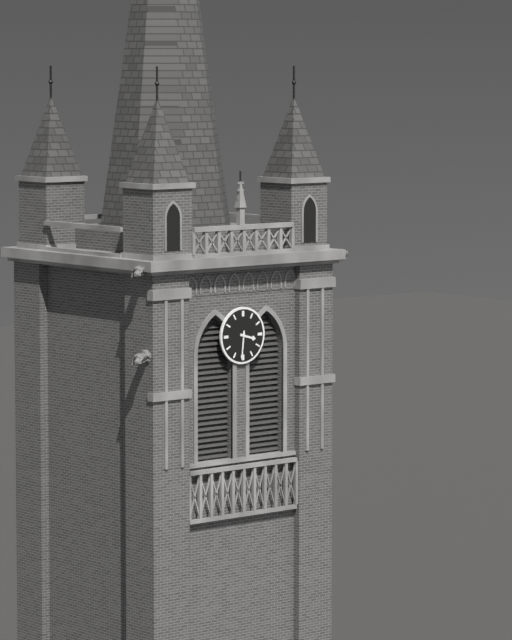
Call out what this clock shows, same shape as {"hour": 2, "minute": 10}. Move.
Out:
{"hour": 3, "minute": 31}
